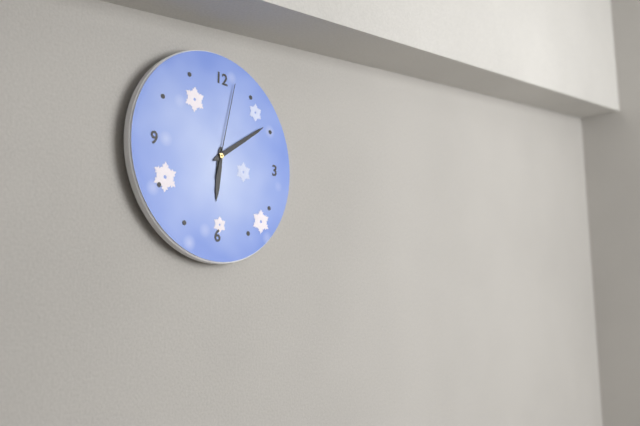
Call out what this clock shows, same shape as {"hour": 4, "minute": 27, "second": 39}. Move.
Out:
{"hour": 6, "minute": 9, "second": 2}
